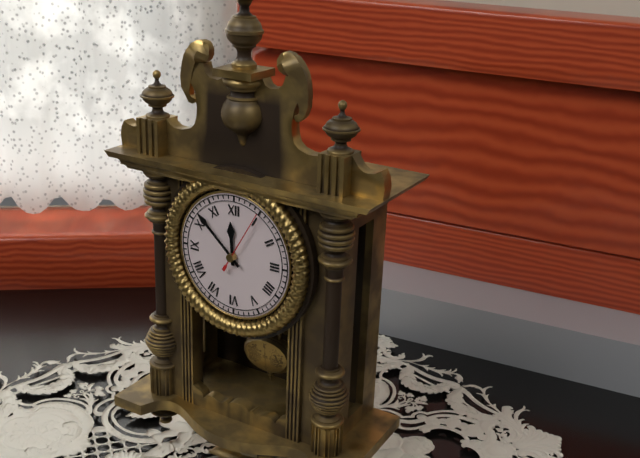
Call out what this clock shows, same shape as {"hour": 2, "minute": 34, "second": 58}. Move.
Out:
{"hour": 11, "minute": 52, "second": 5}
